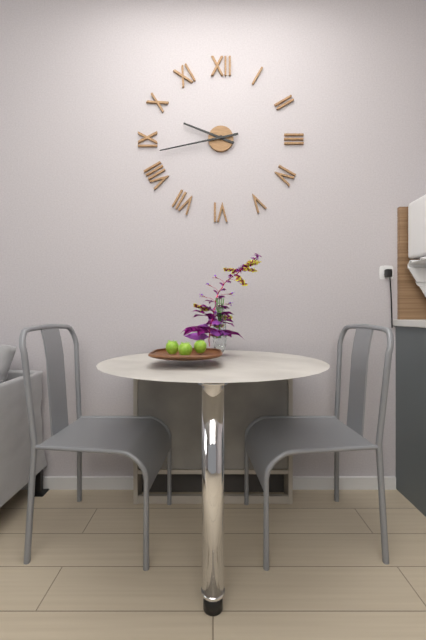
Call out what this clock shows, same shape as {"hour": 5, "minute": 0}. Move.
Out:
{"hour": 9, "minute": 43}
